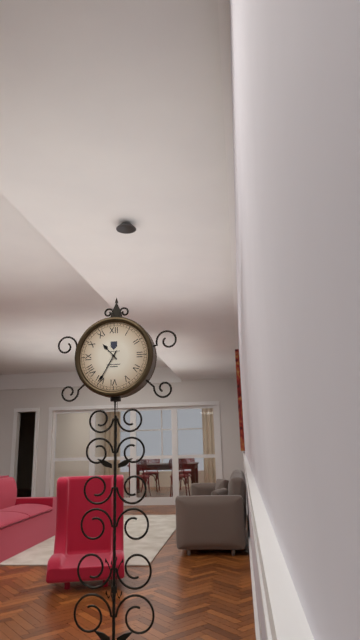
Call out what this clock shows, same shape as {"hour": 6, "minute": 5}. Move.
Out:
{"hour": 10, "minute": 35}
